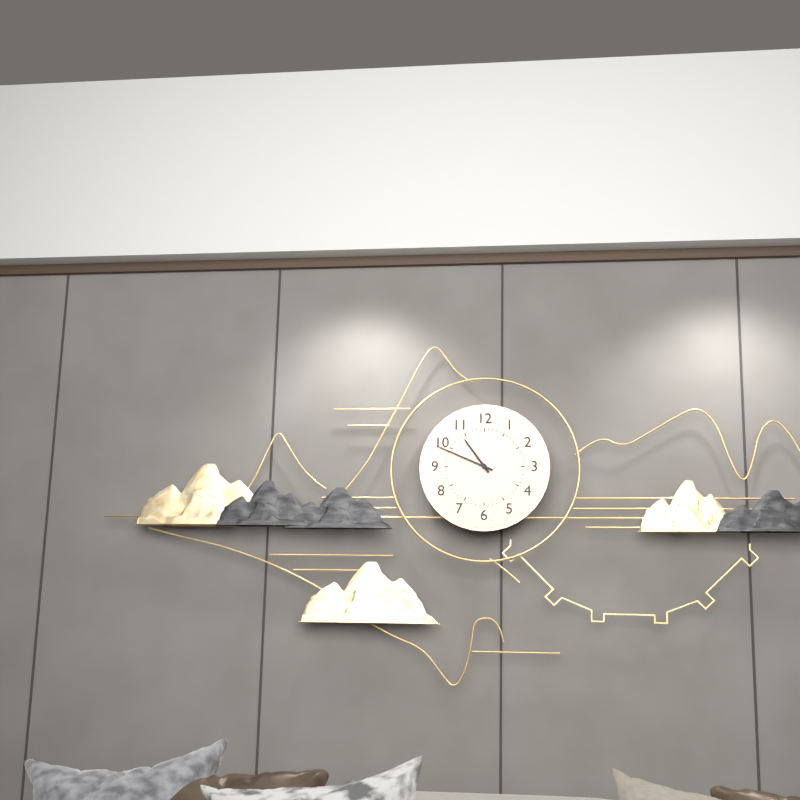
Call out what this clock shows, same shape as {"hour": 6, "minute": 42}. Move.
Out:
{"hour": 10, "minute": 49}
